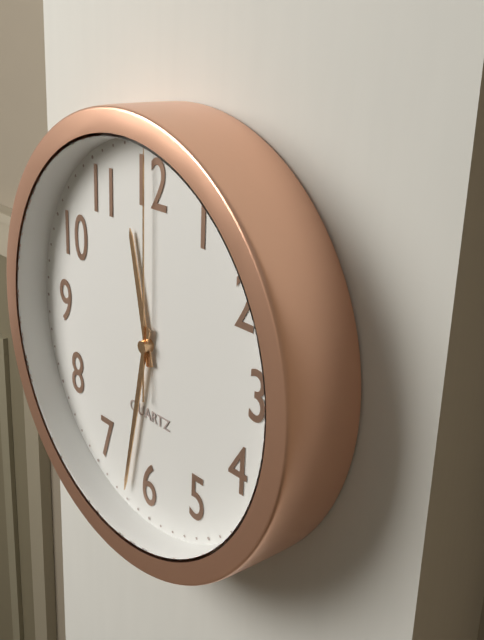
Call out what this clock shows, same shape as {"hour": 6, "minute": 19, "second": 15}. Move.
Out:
{"hour": 11, "minute": 32, "second": 0}
